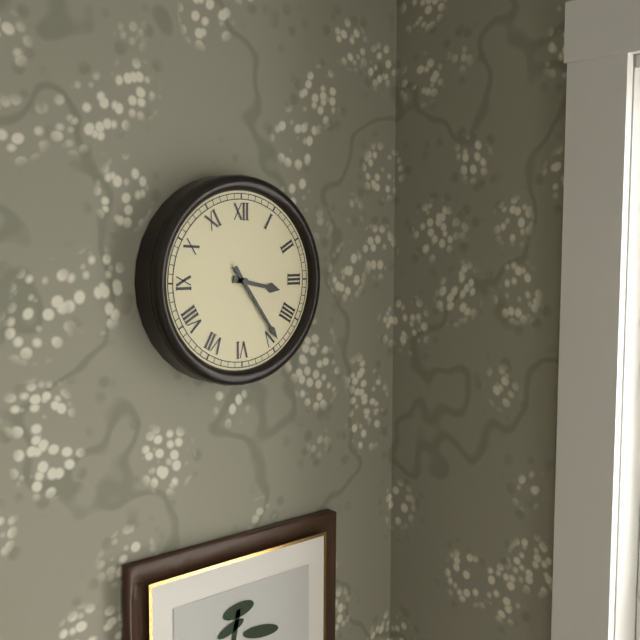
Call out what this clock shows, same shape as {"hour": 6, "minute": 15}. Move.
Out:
{"hour": 3, "minute": 24}
